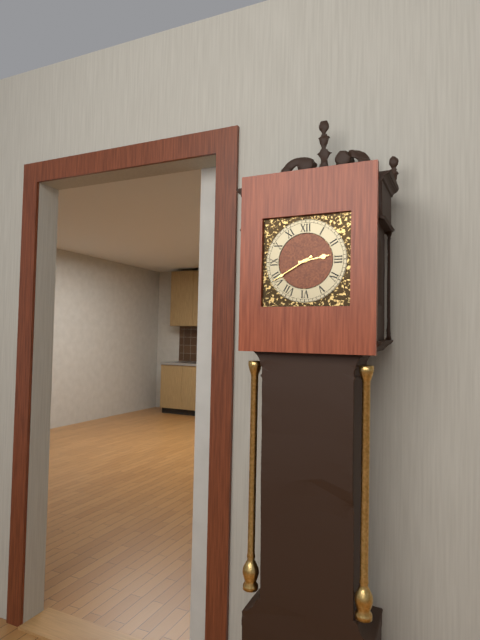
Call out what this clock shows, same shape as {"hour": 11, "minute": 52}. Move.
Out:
{"hour": 2, "minute": 40}
